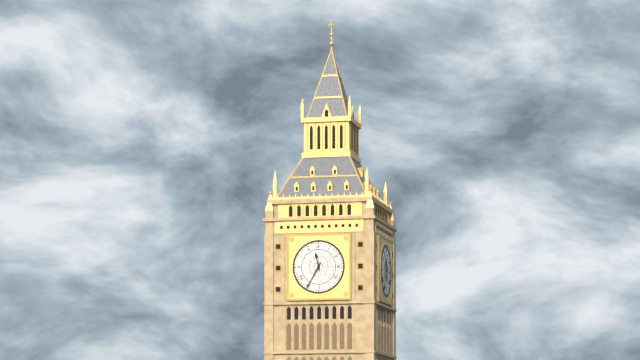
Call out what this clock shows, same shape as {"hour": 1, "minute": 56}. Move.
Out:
{"hour": 11, "minute": 35}
